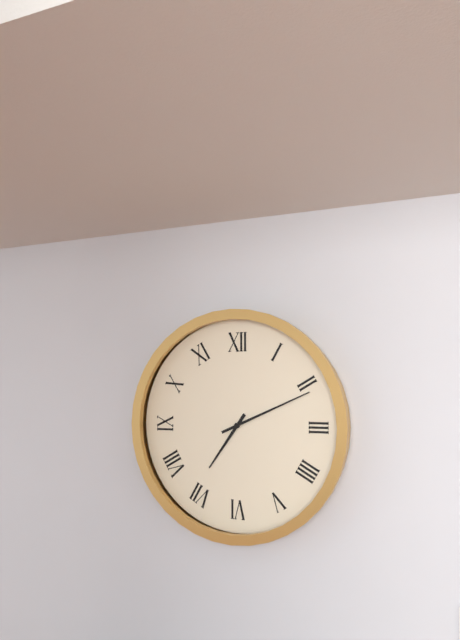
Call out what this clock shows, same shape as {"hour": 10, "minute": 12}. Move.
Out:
{"hour": 7, "minute": 11}
